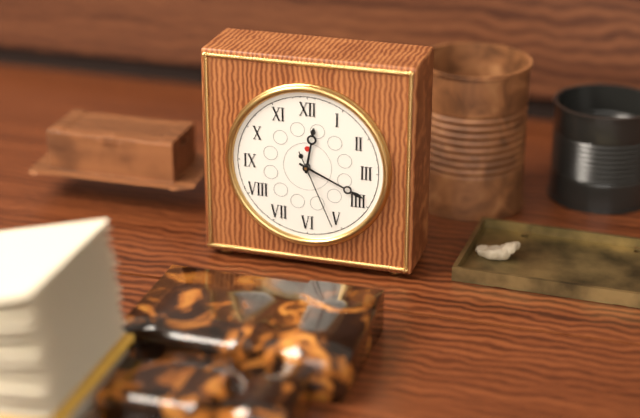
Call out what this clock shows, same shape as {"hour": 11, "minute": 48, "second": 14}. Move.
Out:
{"hour": 12, "minute": 19, "second": 26}
